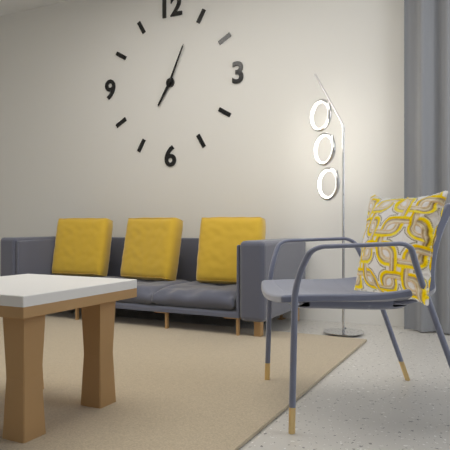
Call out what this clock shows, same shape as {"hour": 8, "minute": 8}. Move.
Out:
{"hour": 7, "minute": 4}
